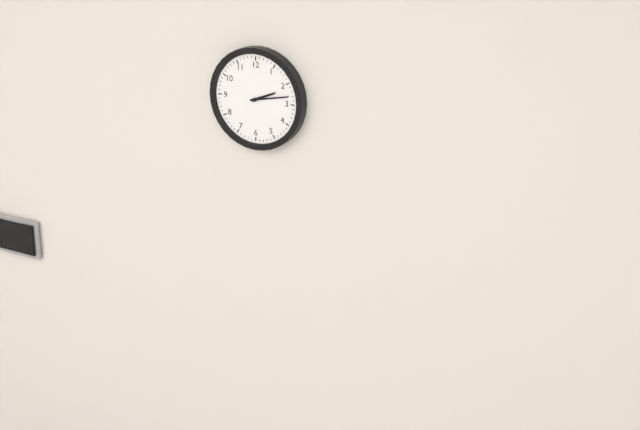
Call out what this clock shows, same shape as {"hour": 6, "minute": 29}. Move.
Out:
{"hour": 2, "minute": 13}
